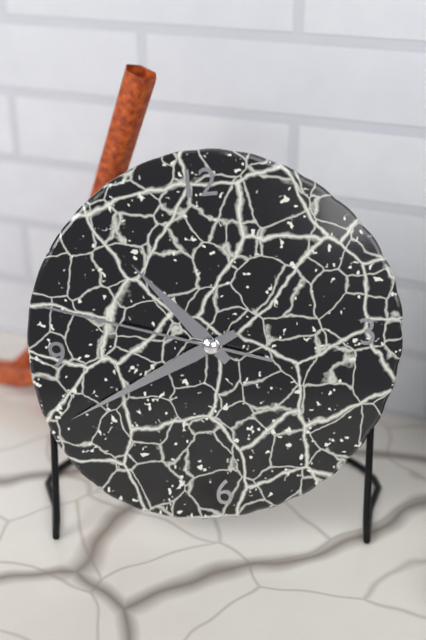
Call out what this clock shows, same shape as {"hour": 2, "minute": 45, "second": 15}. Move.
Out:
{"hour": 10, "minute": 41, "second": 48}
